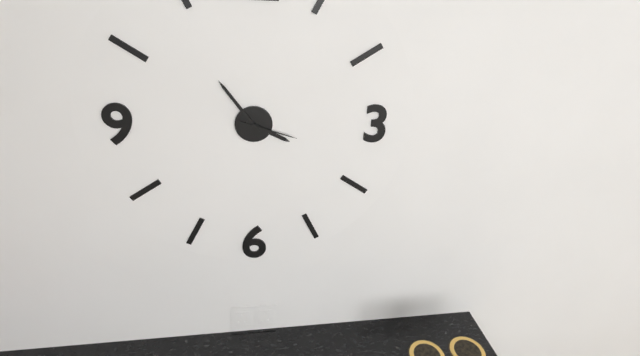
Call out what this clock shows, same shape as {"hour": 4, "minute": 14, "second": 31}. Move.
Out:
{"hour": 3, "minute": 54, "second": 18}
